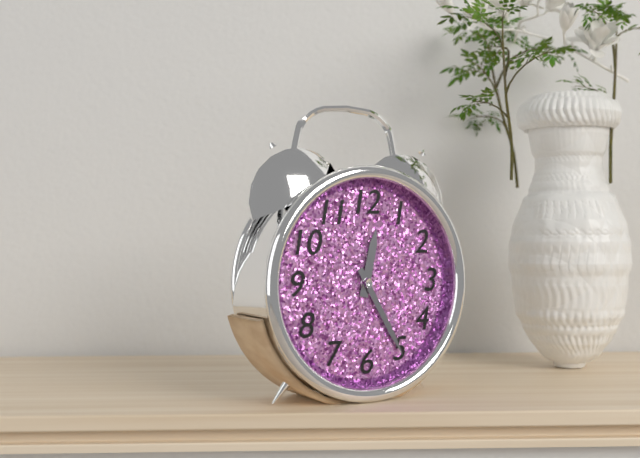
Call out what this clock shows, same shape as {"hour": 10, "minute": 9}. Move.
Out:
{"hour": 12, "minute": 25}
